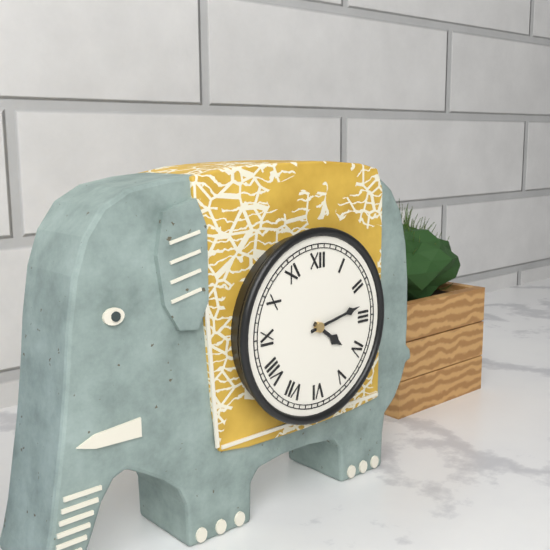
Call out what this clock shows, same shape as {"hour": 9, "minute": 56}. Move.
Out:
{"hour": 4, "minute": 13}
